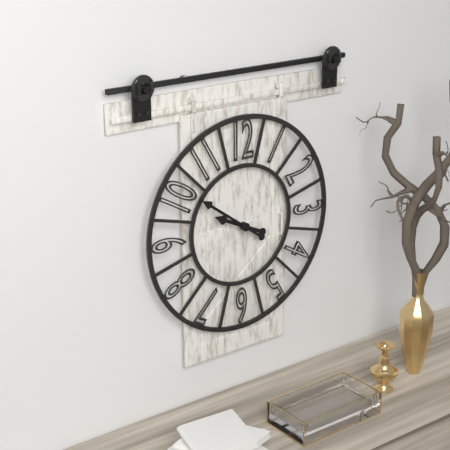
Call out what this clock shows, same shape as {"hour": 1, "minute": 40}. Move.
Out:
{"hour": 9, "minute": 51}
